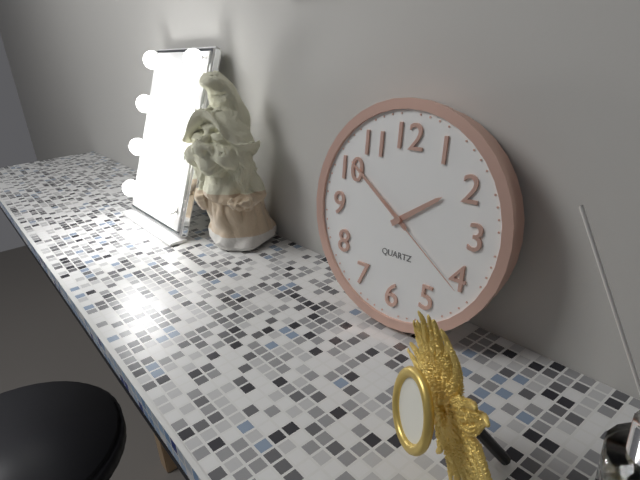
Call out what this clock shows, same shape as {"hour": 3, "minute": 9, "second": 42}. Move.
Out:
{"hour": 1, "minute": 51, "second": 21}
